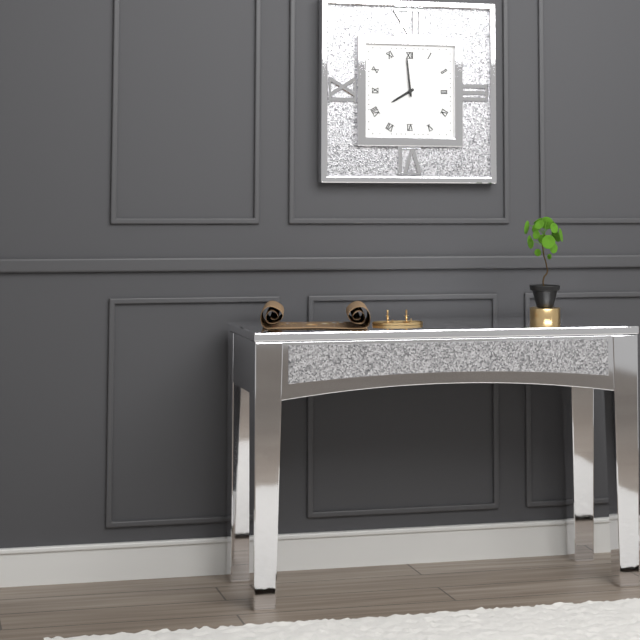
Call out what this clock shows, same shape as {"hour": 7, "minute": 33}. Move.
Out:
{"hour": 7, "minute": 59}
